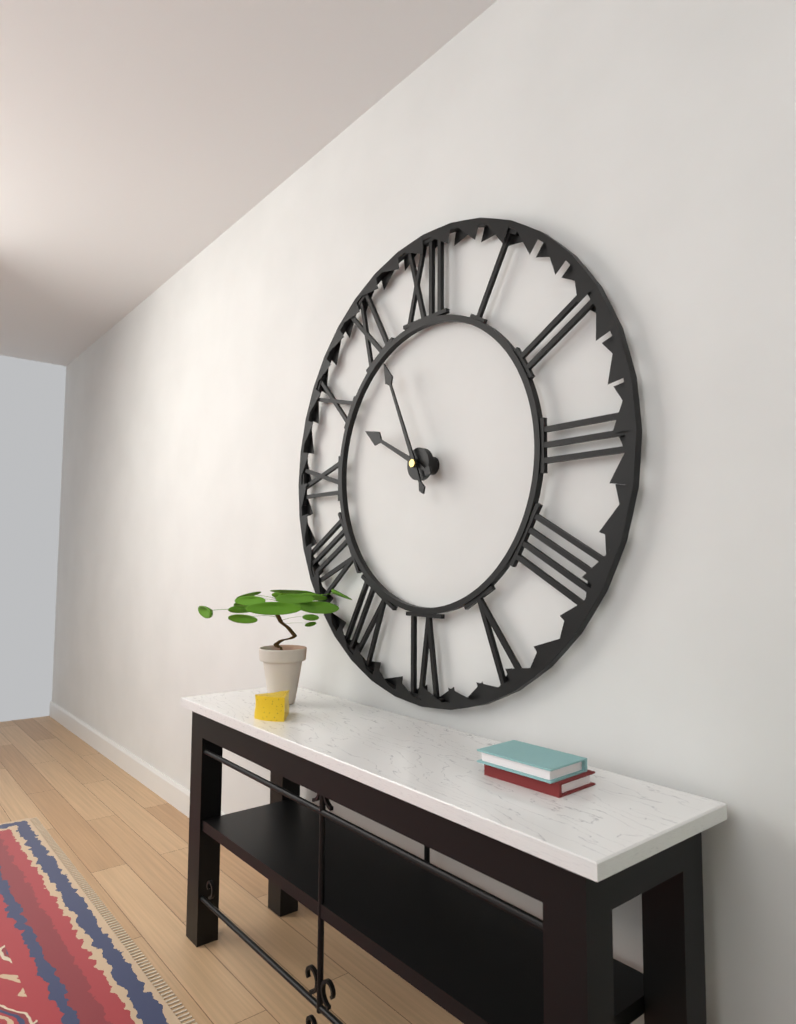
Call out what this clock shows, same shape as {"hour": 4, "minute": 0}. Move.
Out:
{"hour": 9, "minute": 56}
